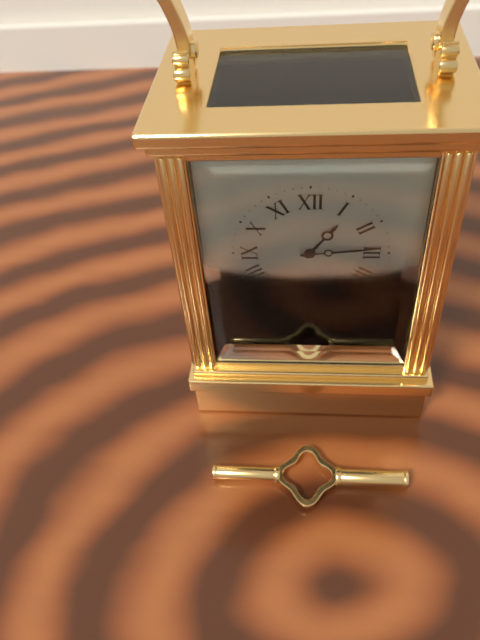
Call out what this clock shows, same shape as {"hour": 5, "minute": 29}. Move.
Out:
{"hour": 1, "minute": 14}
